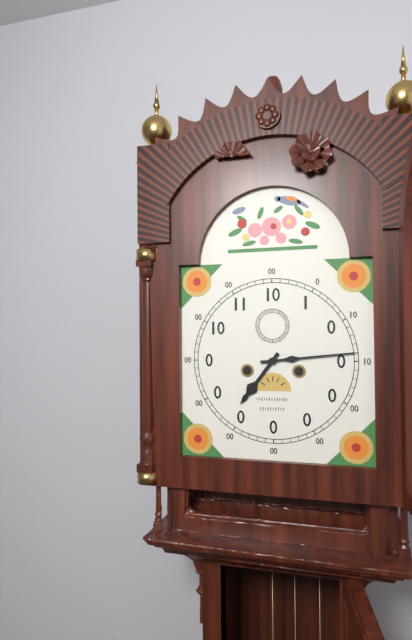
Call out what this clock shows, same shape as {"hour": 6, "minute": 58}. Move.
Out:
{"hour": 7, "minute": 14}
